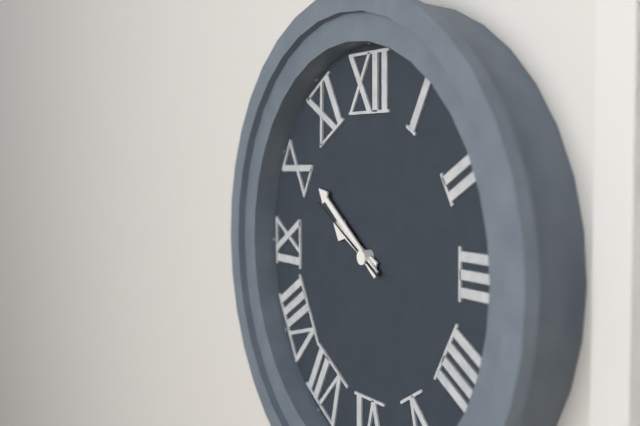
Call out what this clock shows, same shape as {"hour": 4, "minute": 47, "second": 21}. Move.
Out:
{"hour": 9, "minute": 51, "second": 50}
